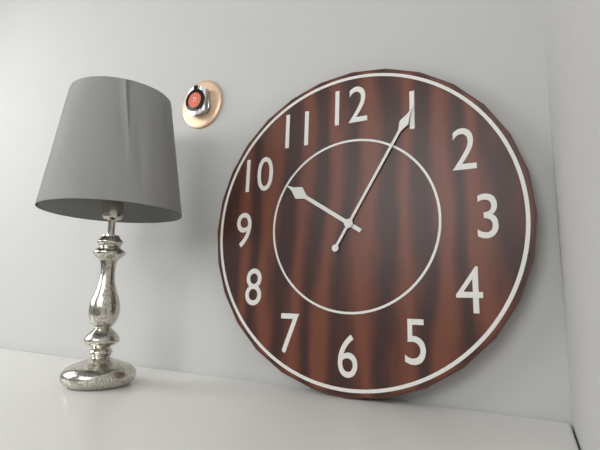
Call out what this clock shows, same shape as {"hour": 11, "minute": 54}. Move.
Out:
{"hour": 10, "minute": 5}
